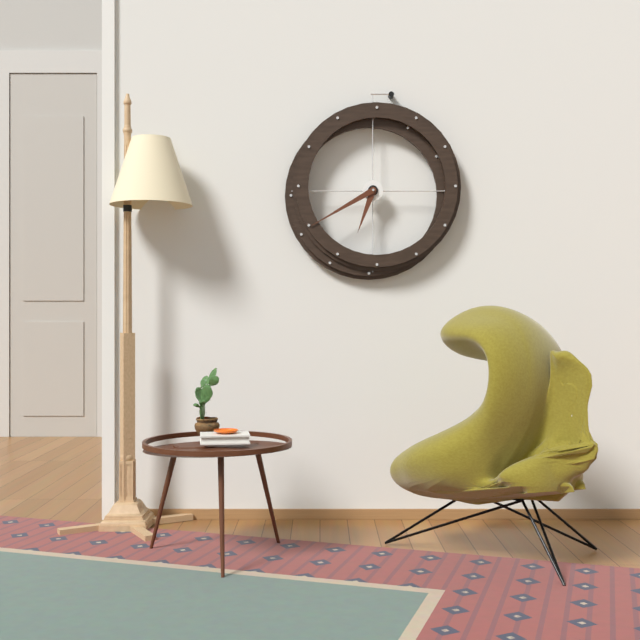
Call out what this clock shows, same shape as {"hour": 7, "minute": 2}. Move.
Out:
{"hour": 6, "minute": 40}
